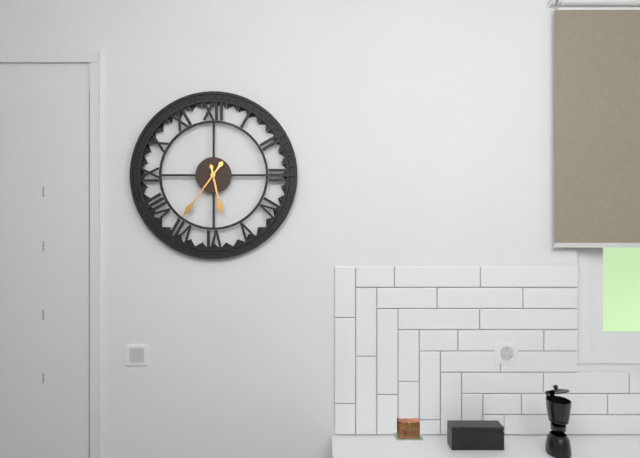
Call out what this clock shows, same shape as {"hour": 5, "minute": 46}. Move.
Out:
{"hour": 5, "minute": 36}
